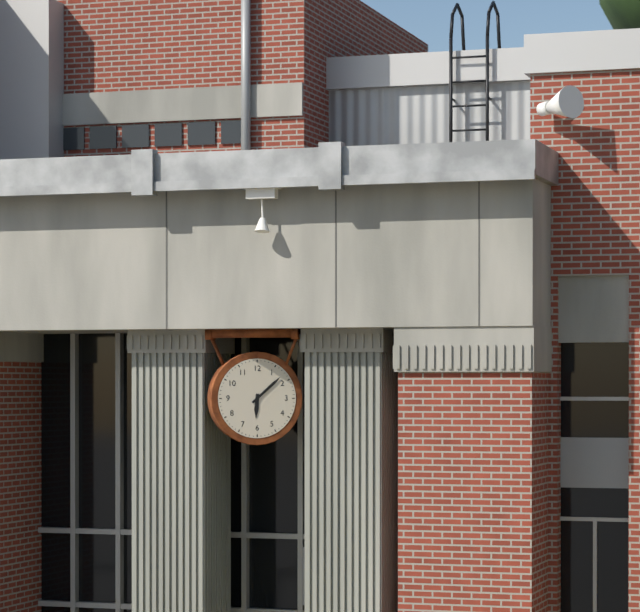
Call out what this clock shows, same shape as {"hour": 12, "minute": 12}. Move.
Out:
{"hour": 6, "minute": 8}
